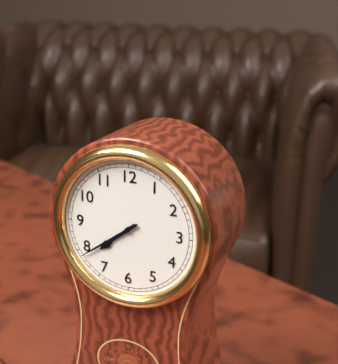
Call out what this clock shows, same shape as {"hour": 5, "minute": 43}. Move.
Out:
{"hour": 7, "minute": 39}
